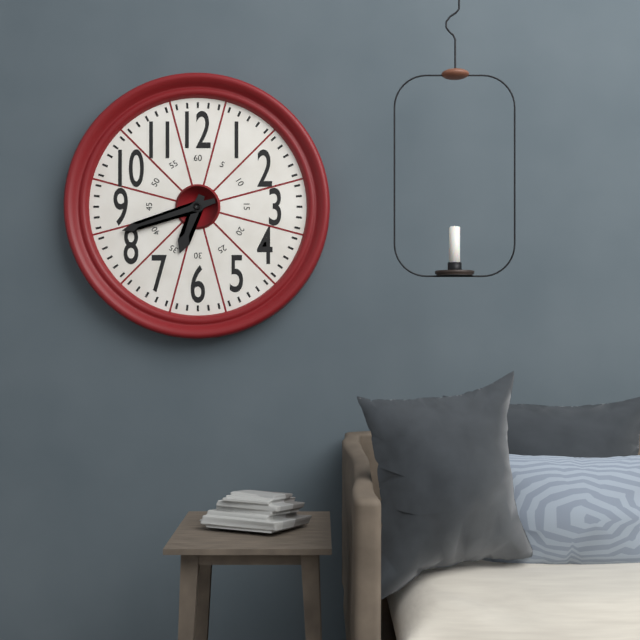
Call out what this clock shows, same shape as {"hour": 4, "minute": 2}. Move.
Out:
{"hour": 6, "minute": 42}
